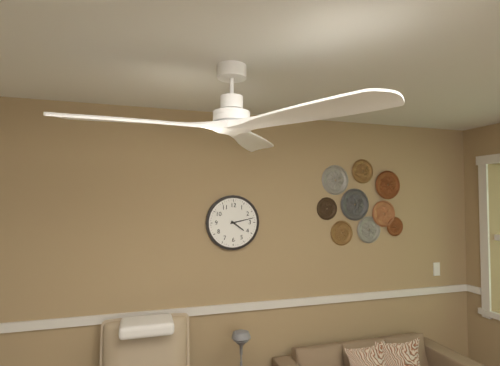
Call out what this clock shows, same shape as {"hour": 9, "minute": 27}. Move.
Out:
{"hour": 4, "minute": 13}
